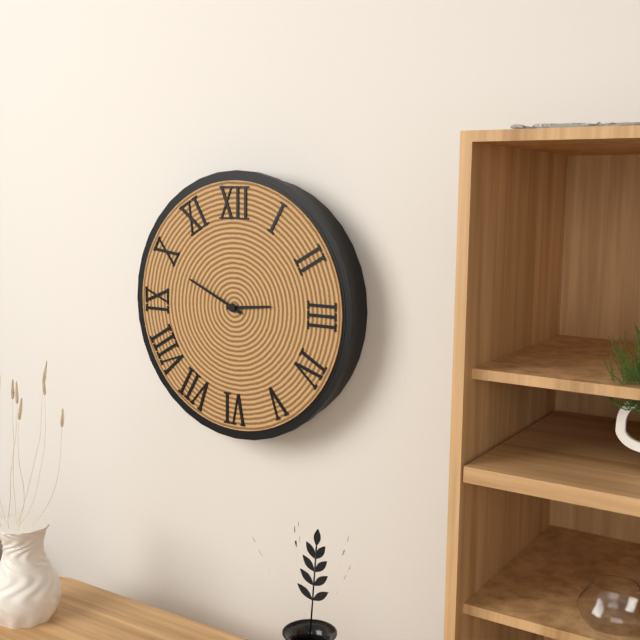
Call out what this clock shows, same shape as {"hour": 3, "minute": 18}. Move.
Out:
{"hour": 2, "minute": 49}
